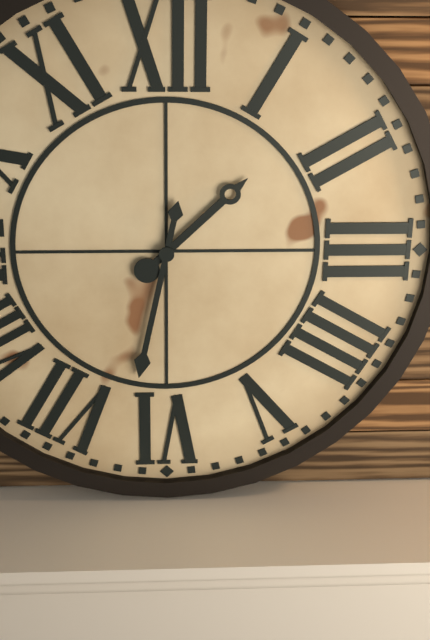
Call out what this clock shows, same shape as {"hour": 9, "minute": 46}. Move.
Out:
{"hour": 1, "minute": 32}
